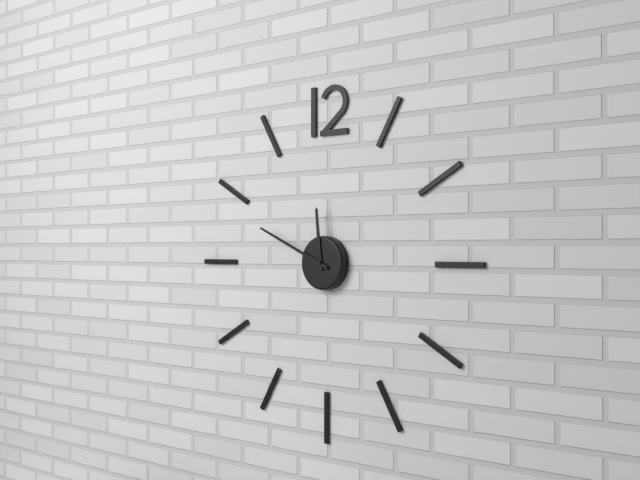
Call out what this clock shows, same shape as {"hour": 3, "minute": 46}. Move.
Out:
{"hour": 11, "minute": 49}
